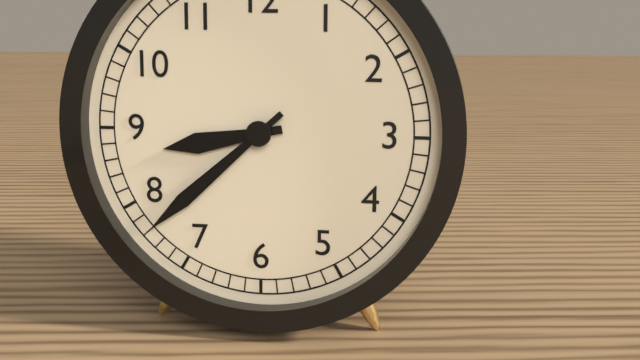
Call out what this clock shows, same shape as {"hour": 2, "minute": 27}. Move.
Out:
{"hour": 8, "minute": 38}
